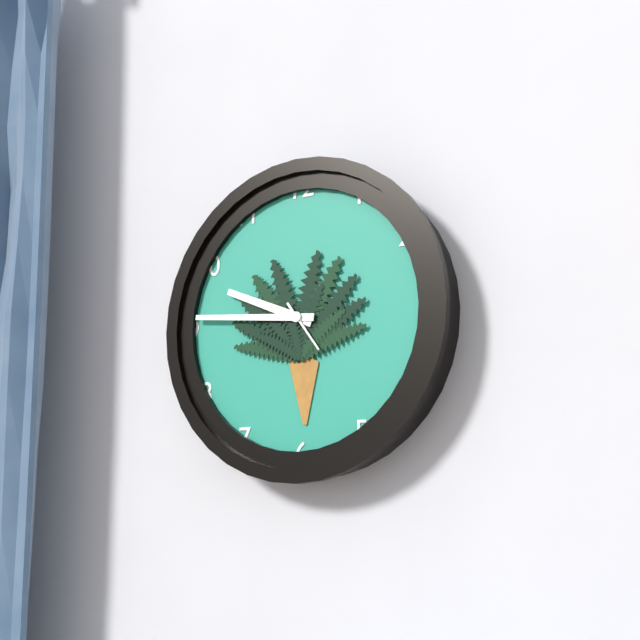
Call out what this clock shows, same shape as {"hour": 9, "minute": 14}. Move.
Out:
{"hour": 9, "minute": 46}
